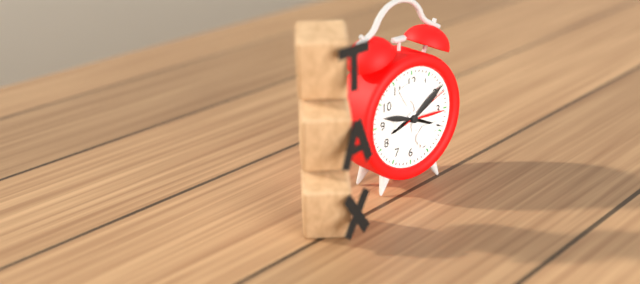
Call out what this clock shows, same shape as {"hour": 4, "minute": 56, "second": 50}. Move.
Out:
{"hour": 8, "minute": 19, "second": 11}
